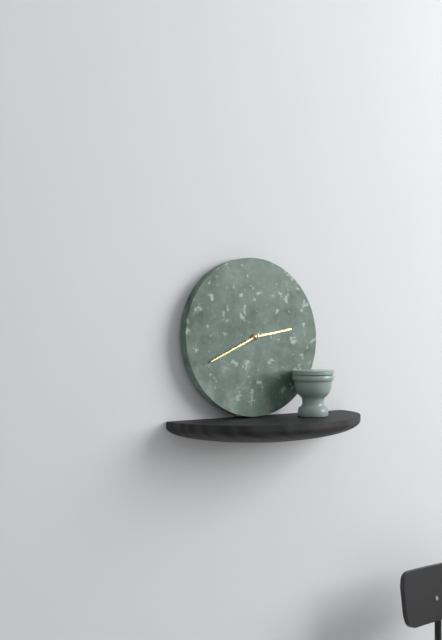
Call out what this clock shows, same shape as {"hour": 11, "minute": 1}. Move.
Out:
{"hour": 2, "minute": 41}
